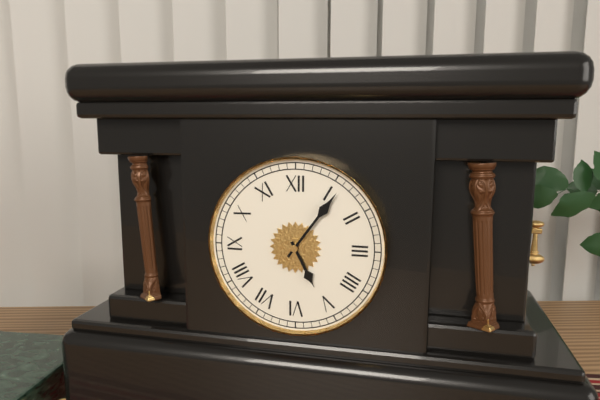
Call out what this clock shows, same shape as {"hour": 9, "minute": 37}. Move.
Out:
{"hour": 5, "minute": 6}
